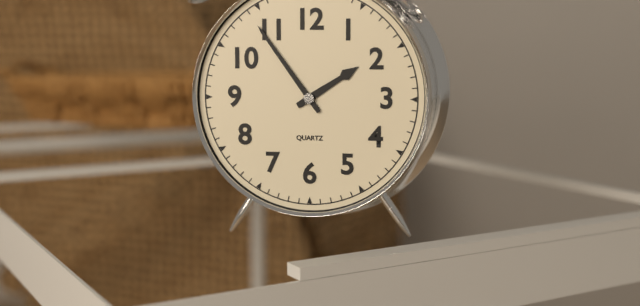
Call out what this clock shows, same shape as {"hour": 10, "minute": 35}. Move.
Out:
{"hour": 1, "minute": 54}
